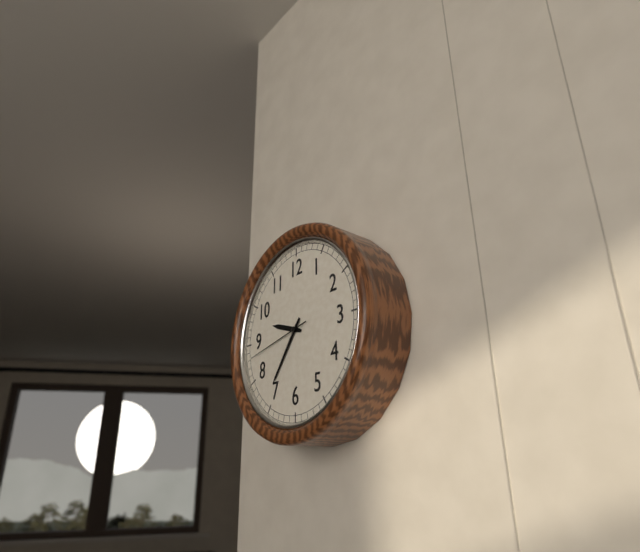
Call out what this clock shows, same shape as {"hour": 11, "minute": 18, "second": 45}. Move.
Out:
{"hour": 9, "minute": 36, "second": 43}
